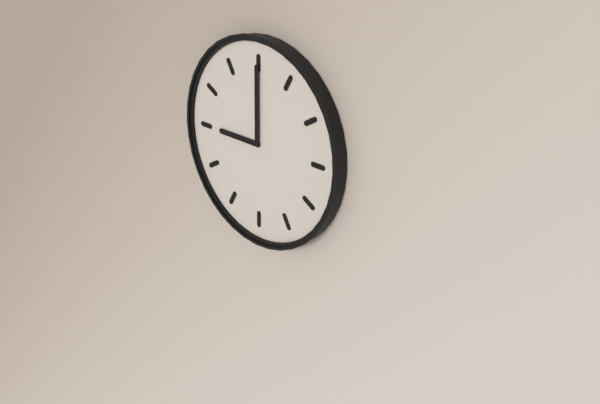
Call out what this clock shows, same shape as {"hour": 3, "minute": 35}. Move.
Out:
{"hour": 9, "minute": 0}
